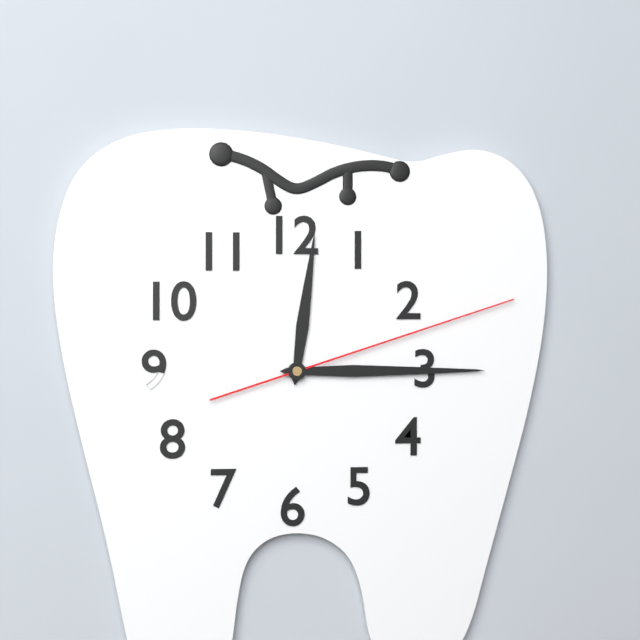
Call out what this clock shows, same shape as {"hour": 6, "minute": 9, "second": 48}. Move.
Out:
{"hour": 12, "minute": 15, "second": 12}
